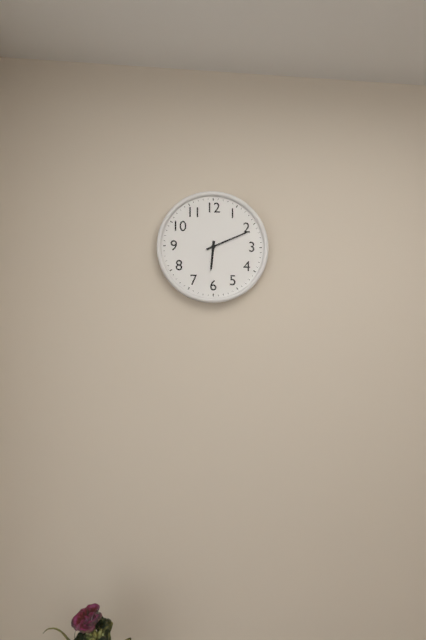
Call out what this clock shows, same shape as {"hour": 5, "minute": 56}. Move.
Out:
{"hour": 6, "minute": 11}
